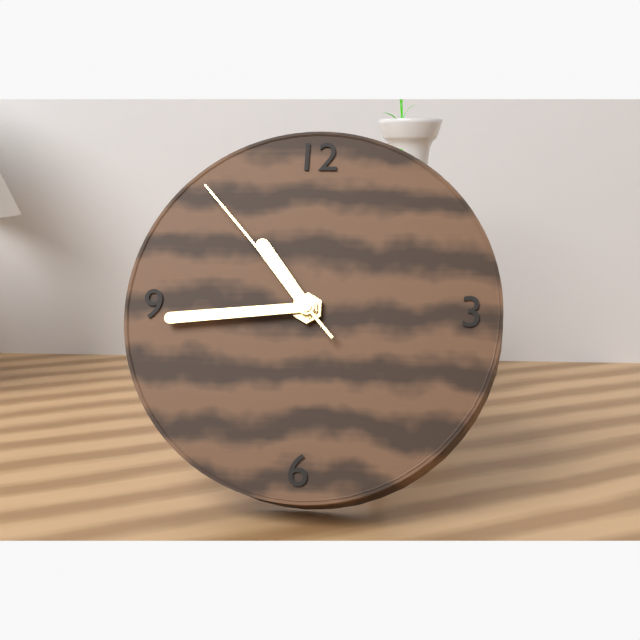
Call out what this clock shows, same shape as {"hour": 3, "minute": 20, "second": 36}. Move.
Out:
{"hour": 10, "minute": 44, "second": 53}
